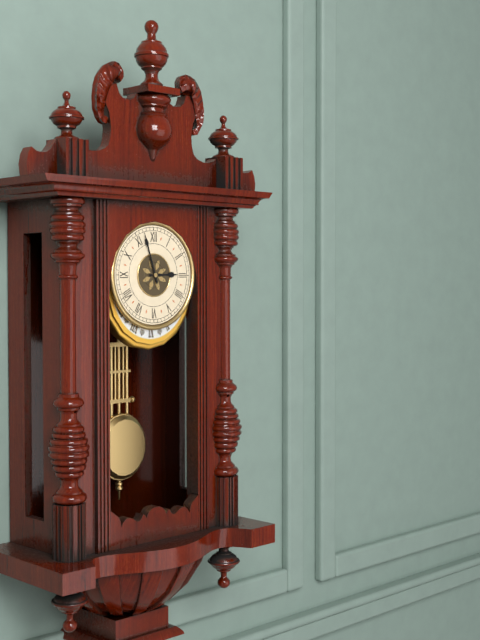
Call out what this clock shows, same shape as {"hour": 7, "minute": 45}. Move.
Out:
{"hour": 2, "minute": 57}
